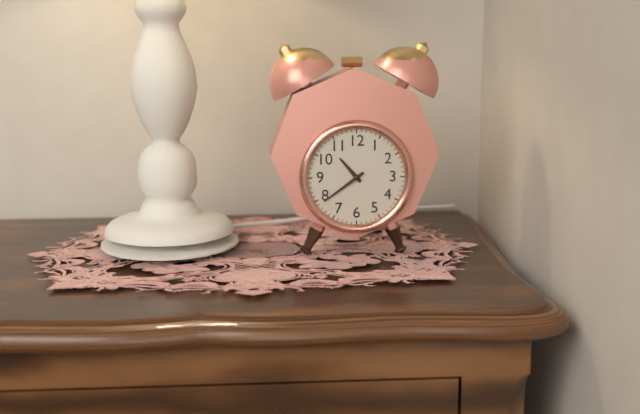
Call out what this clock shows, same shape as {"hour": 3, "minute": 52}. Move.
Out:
{"hour": 10, "minute": 39}
